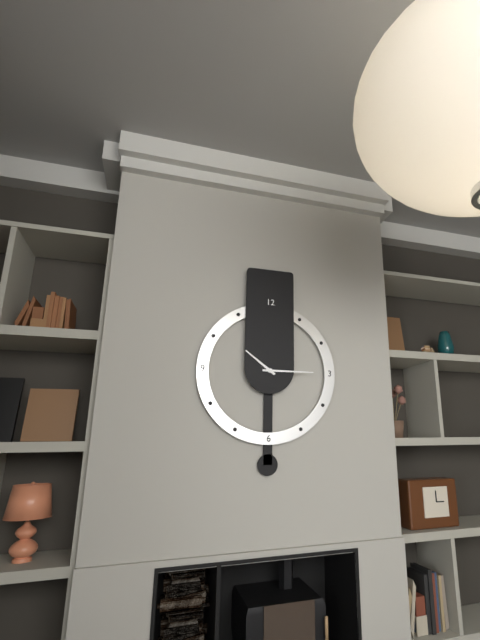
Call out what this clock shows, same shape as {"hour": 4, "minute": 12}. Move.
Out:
{"hour": 10, "minute": 15}
